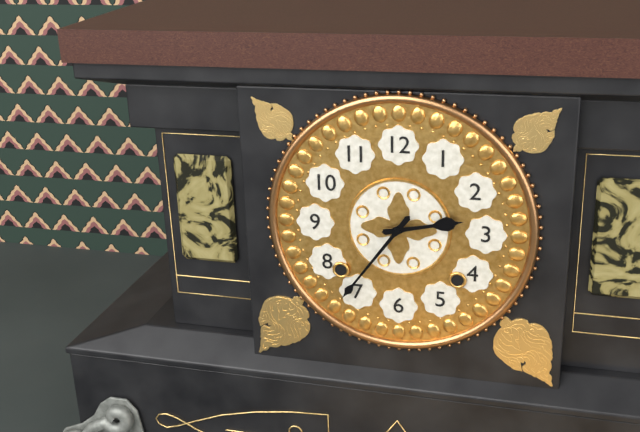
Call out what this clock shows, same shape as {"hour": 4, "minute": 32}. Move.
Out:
{"hour": 2, "minute": 36}
